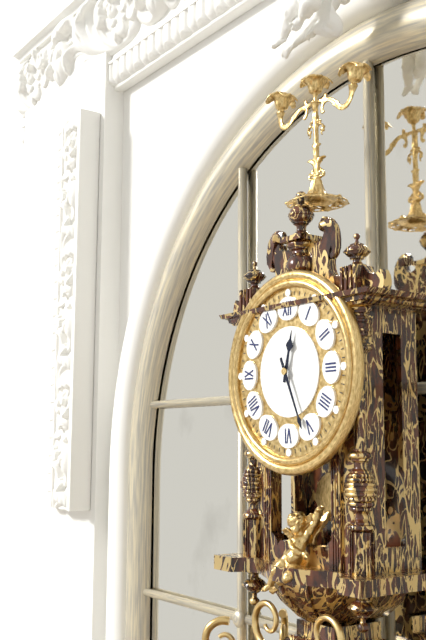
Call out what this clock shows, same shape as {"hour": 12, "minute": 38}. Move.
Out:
{"hour": 12, "minute": 26}
